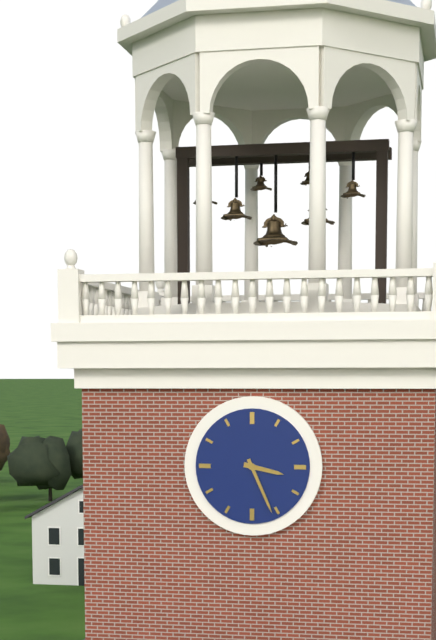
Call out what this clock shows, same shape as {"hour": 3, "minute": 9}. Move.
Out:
{"hour": 3, "minute": 26}
